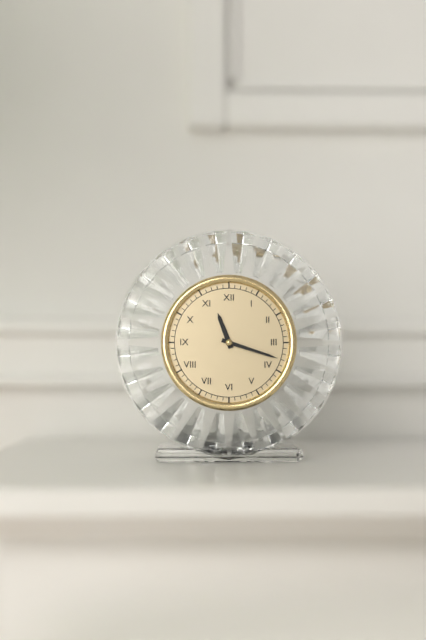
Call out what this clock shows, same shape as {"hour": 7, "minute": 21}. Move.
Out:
{"hour": 11, "minute": 18}
